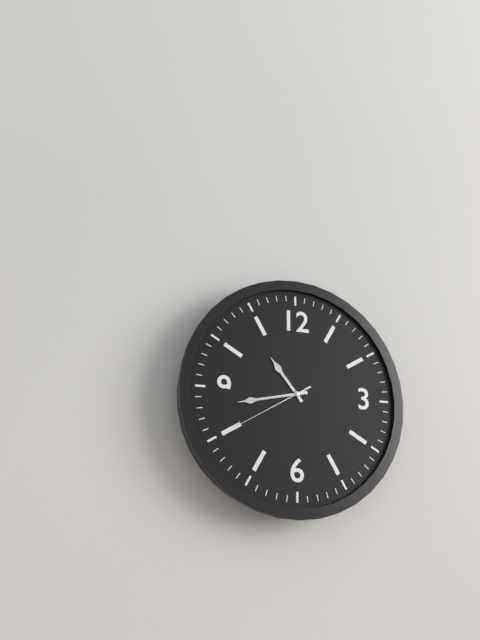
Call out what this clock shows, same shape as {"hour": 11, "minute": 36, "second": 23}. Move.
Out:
{"hour": 10, "minute": 43, "second": 40}
